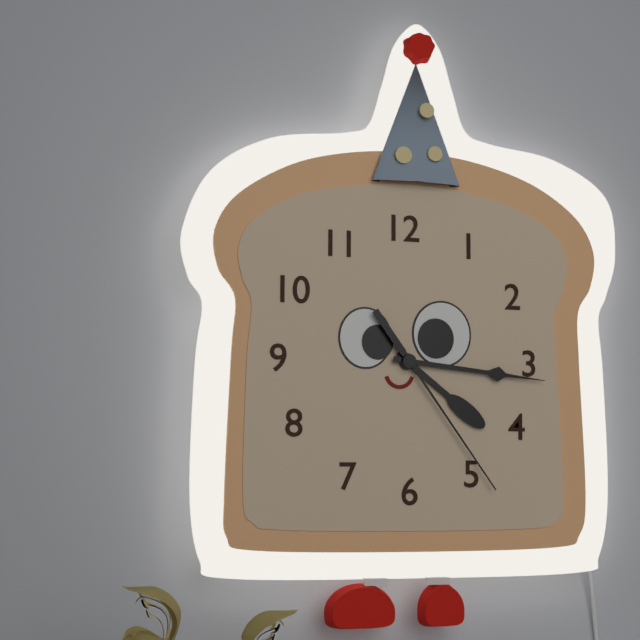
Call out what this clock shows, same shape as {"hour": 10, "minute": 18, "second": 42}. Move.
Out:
{"hour": 4, "minute": 16, "second": 24}
